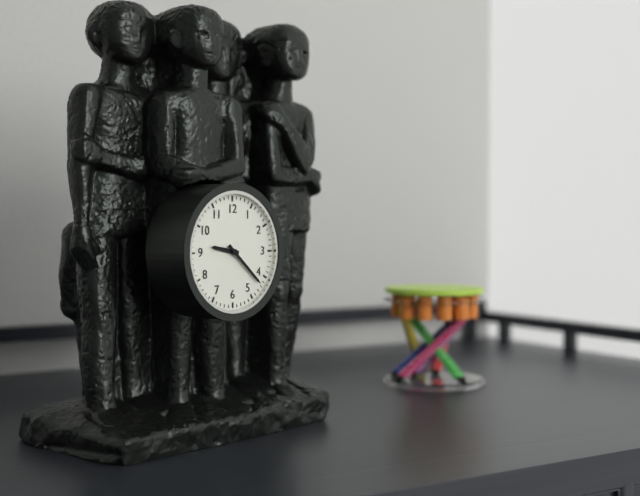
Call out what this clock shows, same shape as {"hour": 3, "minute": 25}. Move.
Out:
{"hour": 9, "minute": 22}
